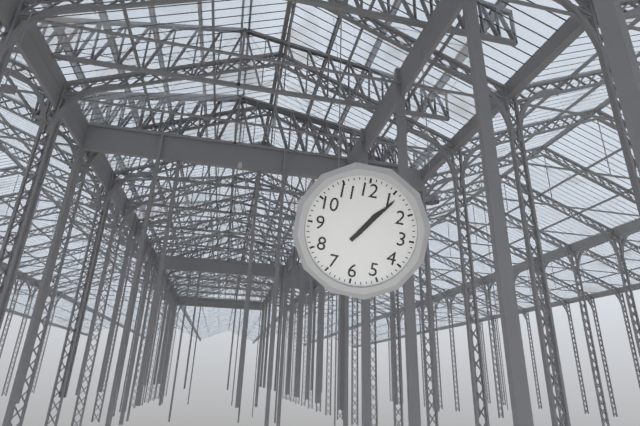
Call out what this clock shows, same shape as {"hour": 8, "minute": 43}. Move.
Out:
{"hour": 1, "minute": 6}
